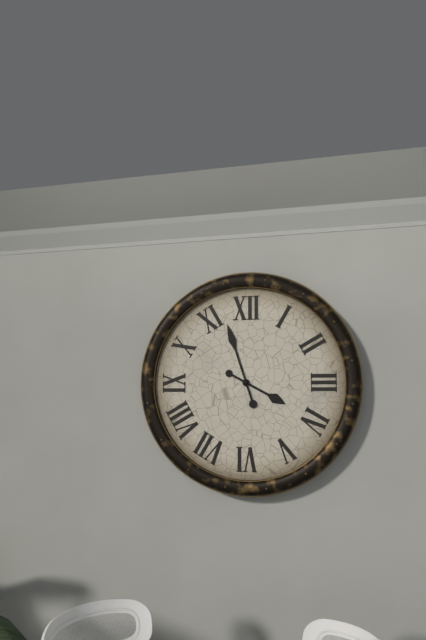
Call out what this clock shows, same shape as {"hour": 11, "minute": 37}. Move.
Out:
{"hour": 3, "minute": 57}
